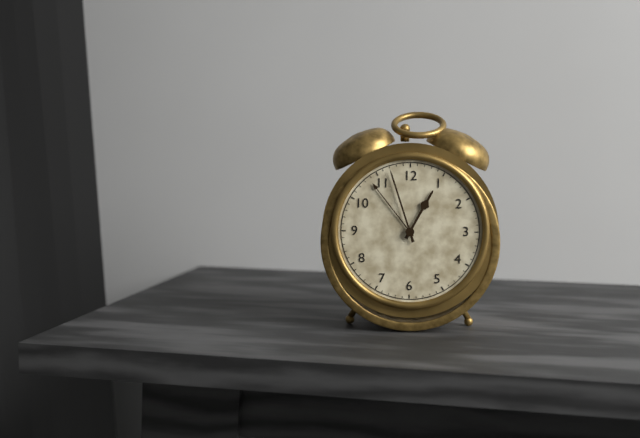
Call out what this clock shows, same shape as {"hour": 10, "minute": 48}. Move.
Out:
{"hour": 12, "minute": 57}
